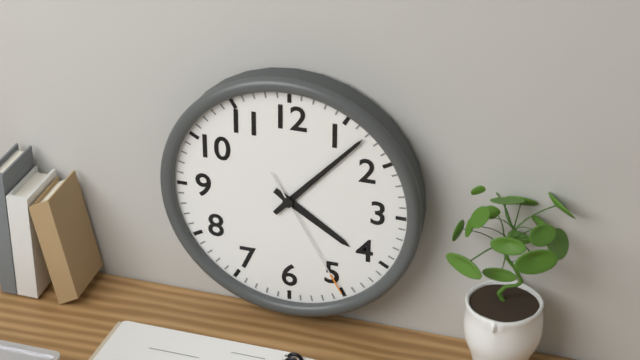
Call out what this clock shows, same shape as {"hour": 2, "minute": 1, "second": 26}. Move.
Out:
{"hour": 4, "minute": 7, "second": 25}
